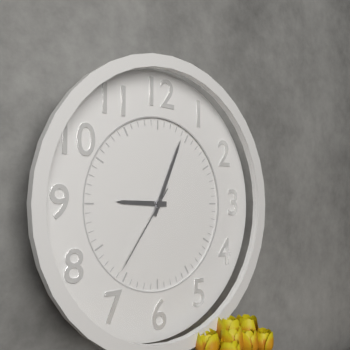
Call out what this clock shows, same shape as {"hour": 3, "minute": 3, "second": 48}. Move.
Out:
{"hour": 9, "minute": 4, "second": 36}
